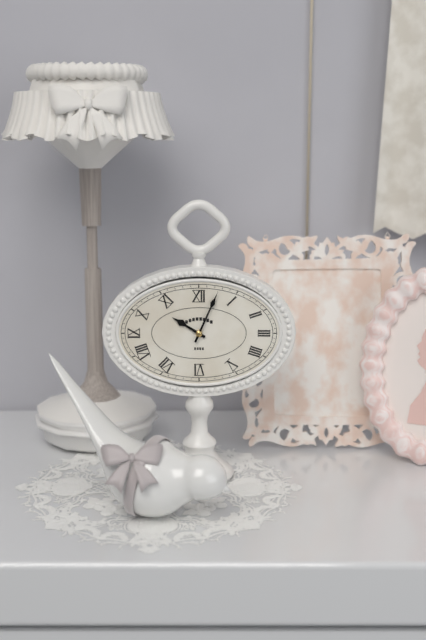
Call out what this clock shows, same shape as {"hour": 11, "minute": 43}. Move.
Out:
{"hour": 10, "minute": 4}
